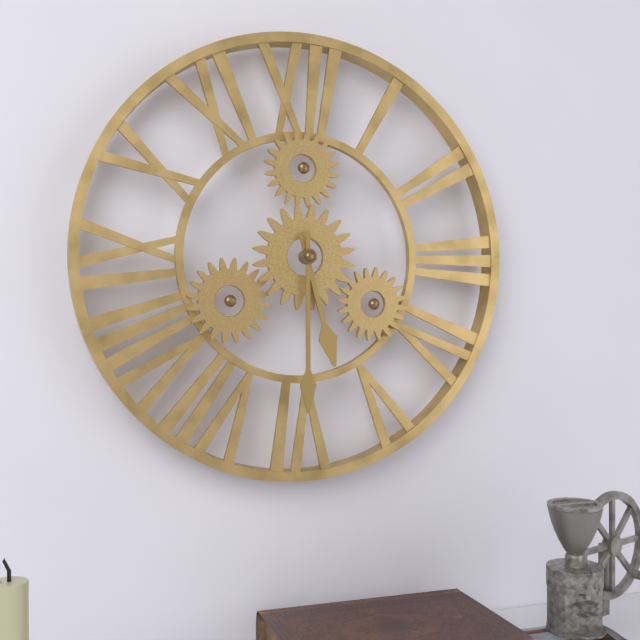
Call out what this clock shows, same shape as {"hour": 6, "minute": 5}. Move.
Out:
{"hour": 5, "minute": 30}
